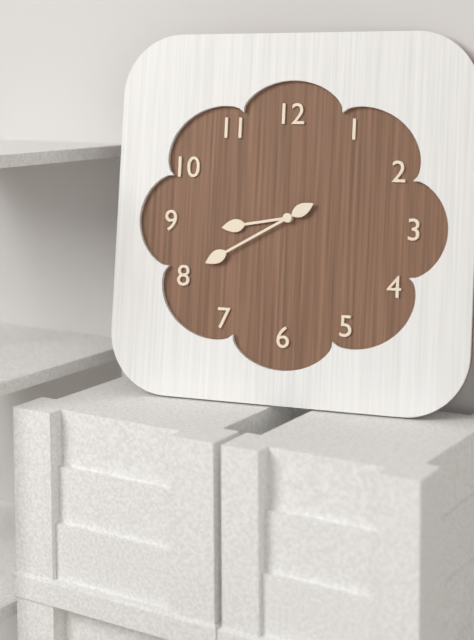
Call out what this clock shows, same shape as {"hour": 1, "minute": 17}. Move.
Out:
{"hour": 8, "minute": 40}
